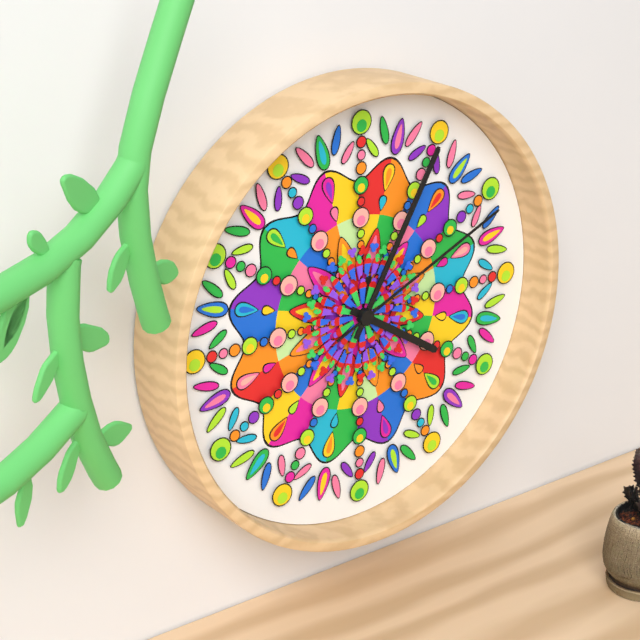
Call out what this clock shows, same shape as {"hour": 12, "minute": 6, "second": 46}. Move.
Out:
{"hour": 4, "minute": 5, "second": 11}
